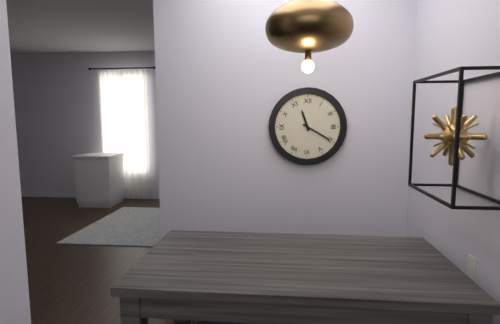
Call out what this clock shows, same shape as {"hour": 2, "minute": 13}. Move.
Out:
{"hour": 11, "minute": 20}
